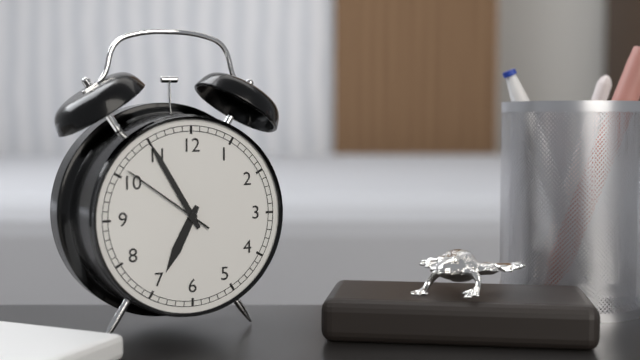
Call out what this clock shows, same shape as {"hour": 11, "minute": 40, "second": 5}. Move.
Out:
{"hour": 6, "minute": 55, "second": 51}
